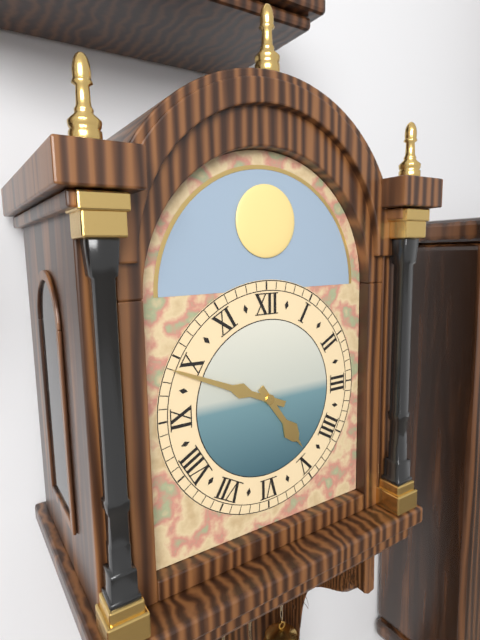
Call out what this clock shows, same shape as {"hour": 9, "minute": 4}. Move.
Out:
{"hour": 4, "minute": 49}
